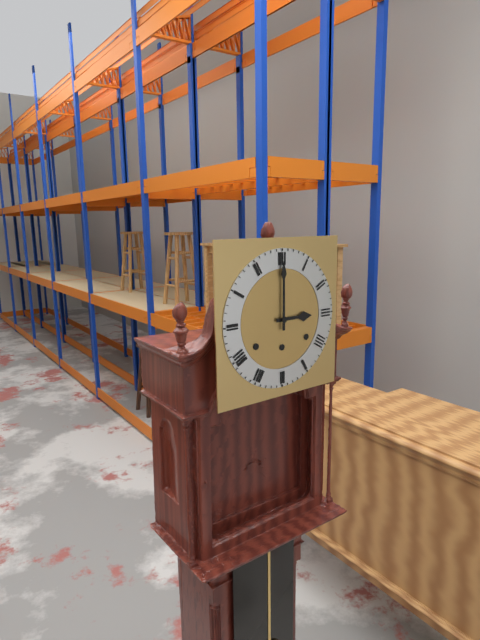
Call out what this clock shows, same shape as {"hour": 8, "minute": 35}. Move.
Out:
{"hour": 3, "minute": 0}
